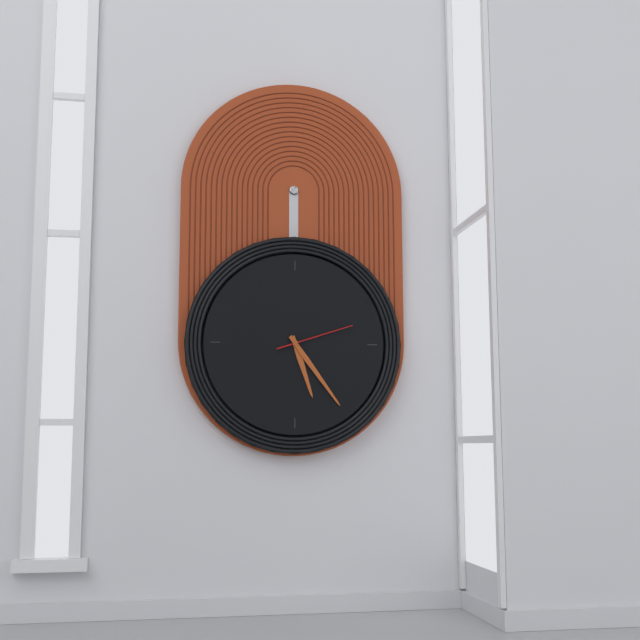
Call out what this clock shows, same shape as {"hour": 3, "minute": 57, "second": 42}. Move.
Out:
{"hour": 5, "minute": 24, "second": 12}
